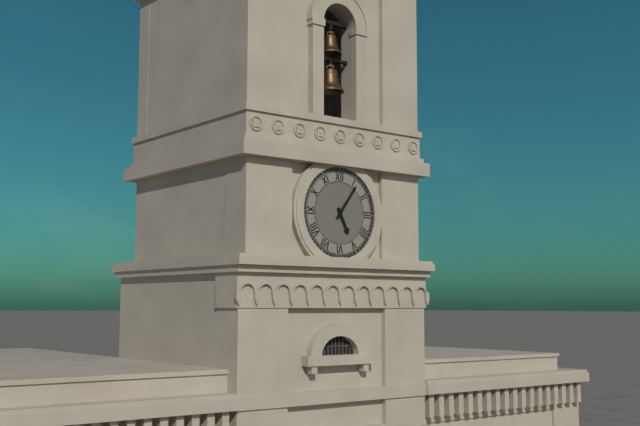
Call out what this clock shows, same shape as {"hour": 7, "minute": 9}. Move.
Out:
{"hour": 5, "minute": 6}
